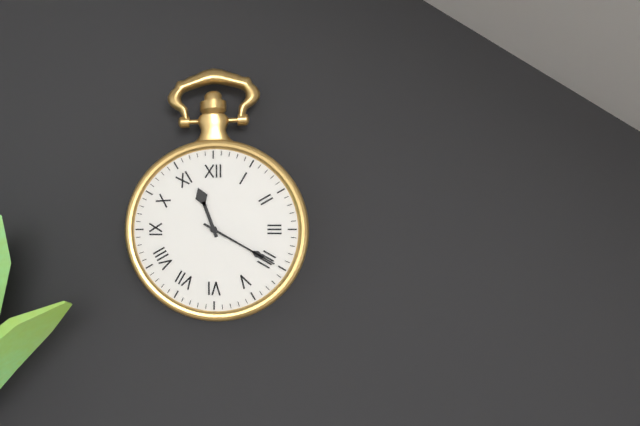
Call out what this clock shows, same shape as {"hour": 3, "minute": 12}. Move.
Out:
{"hour": 11, "minute": 20}
